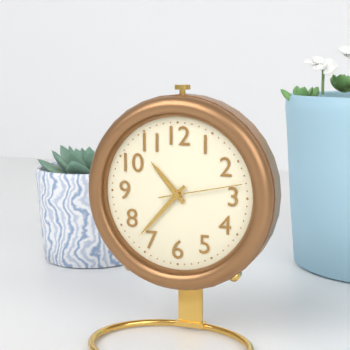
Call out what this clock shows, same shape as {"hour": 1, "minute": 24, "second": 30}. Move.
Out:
{"hour": 10, "minute": 37, "second": 13}
